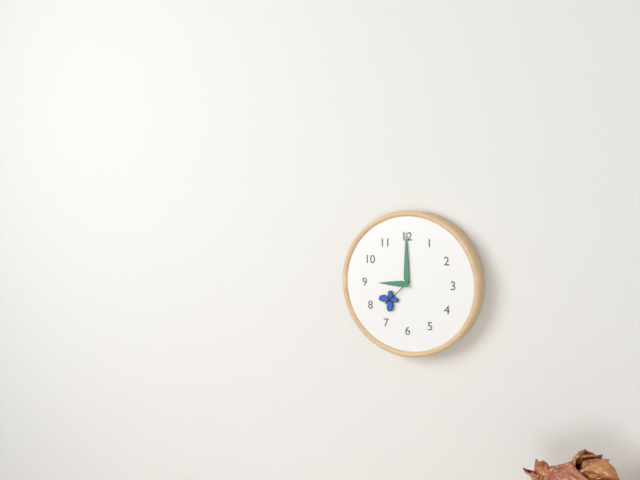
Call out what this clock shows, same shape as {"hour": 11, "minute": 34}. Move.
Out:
{"hour": 9, "minute": 0}
